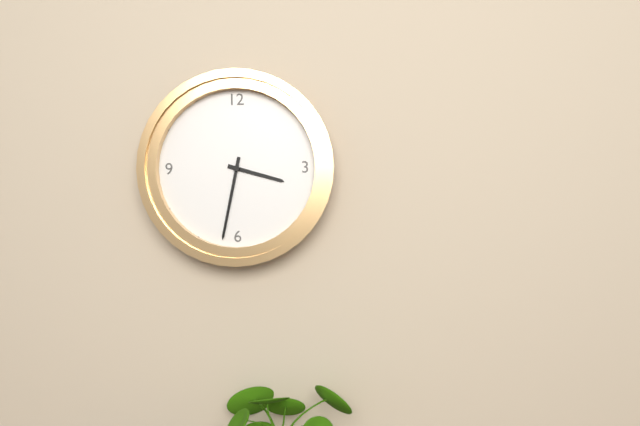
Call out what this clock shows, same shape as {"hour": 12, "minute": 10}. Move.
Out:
{"hour": 3, "minute": 32}
